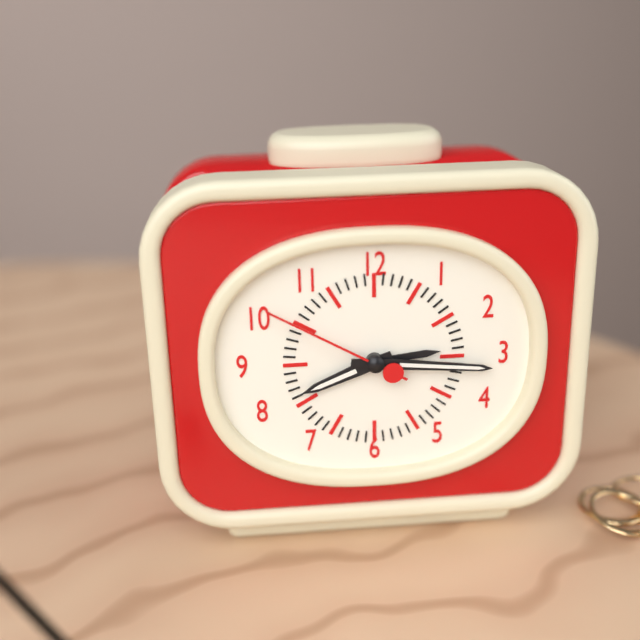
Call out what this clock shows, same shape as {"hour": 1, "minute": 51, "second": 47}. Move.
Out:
{"hour": 8, "minute": 16, "second": 50}
